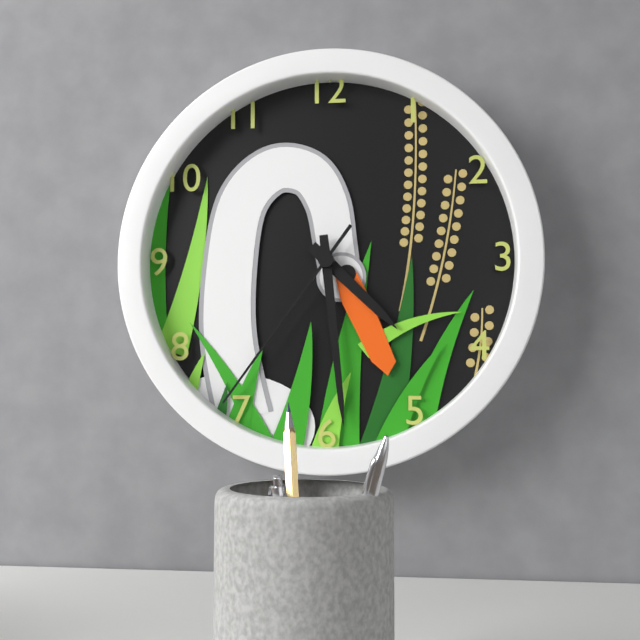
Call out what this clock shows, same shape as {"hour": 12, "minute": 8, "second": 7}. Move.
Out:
{"hour": 4, "minute": 29, "second": 36}
